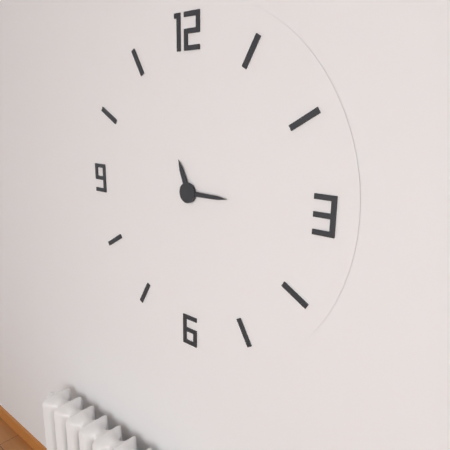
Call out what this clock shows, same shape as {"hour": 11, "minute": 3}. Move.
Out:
{"hour": 11, "minute": 15}
